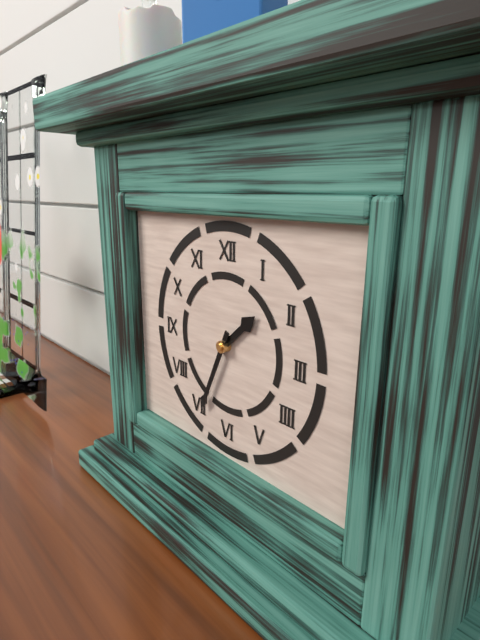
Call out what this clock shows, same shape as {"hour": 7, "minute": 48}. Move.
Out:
{"hour": 1, "minute": 34}
